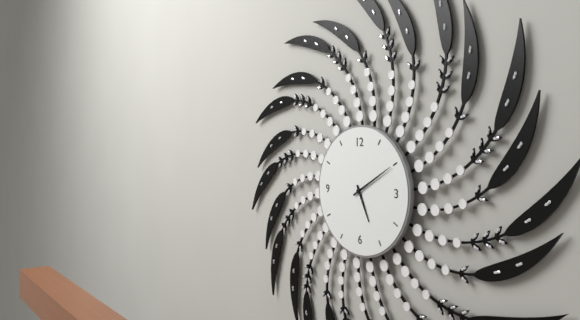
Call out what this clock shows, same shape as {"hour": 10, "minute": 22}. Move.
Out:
{"hour": 5, "minute": 10}
